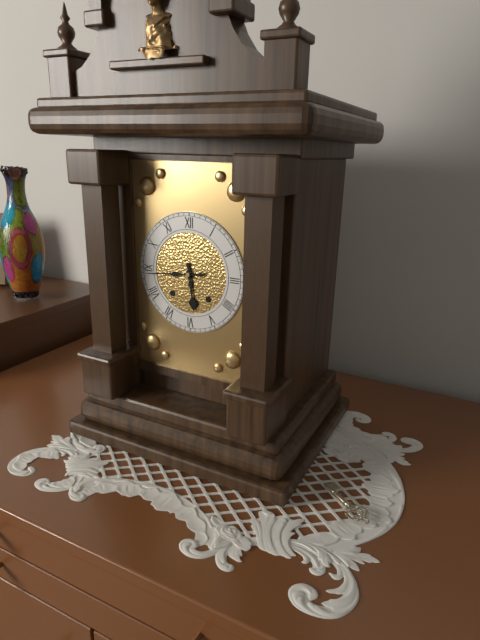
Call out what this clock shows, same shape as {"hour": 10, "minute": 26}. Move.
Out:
{"hour": 5, "minute": 44}
